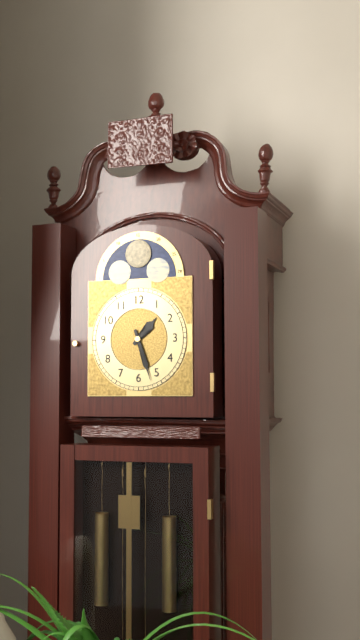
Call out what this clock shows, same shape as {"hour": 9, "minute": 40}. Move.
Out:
{"hour": 1, "minute": 27}
